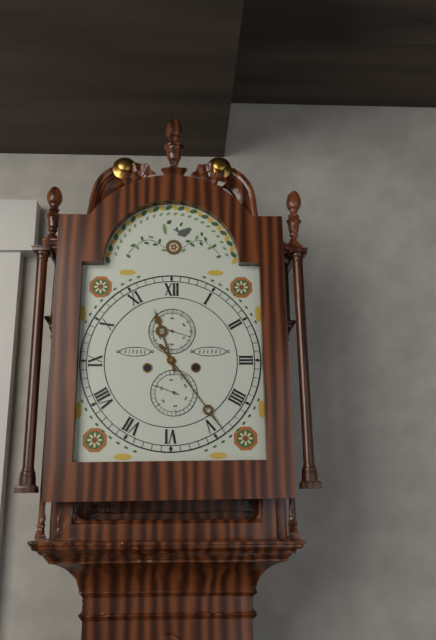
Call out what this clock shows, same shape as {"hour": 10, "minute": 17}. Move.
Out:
{"hour": 11, "minute": 24}
